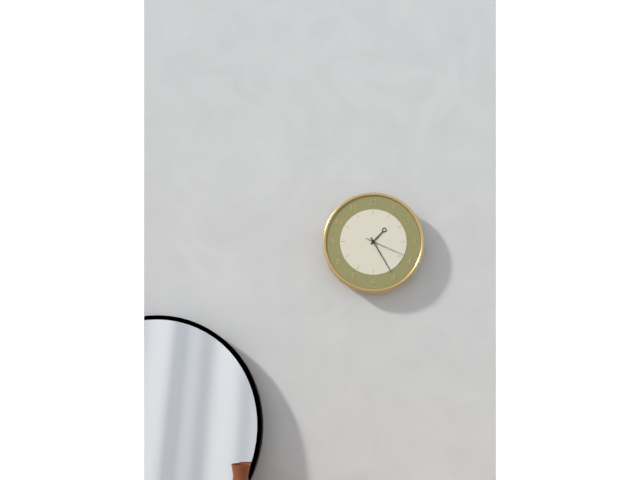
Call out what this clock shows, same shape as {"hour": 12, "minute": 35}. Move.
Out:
{"hour": 1, "minute": 25}
